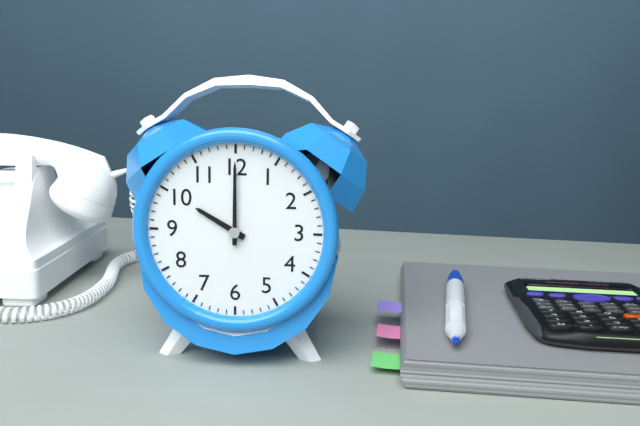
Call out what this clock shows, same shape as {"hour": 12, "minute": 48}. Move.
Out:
{"hour": 10, "minute": 0}
